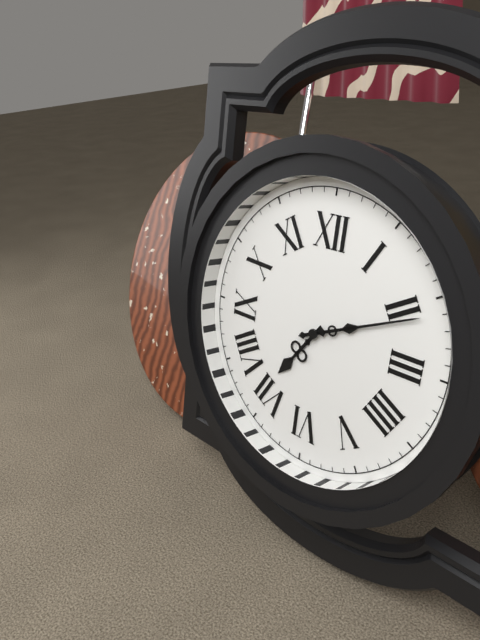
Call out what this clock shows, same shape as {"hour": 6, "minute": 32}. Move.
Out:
{"hour": 7, "minute": 11}
